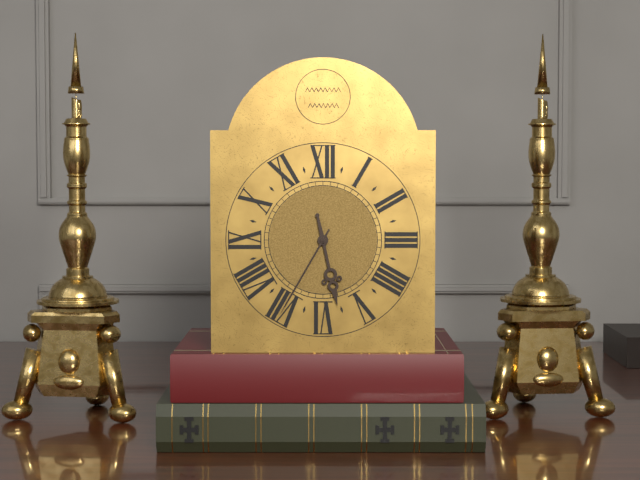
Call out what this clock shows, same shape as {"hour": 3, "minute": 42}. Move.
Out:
{"hour": 5, "minute": 35}
